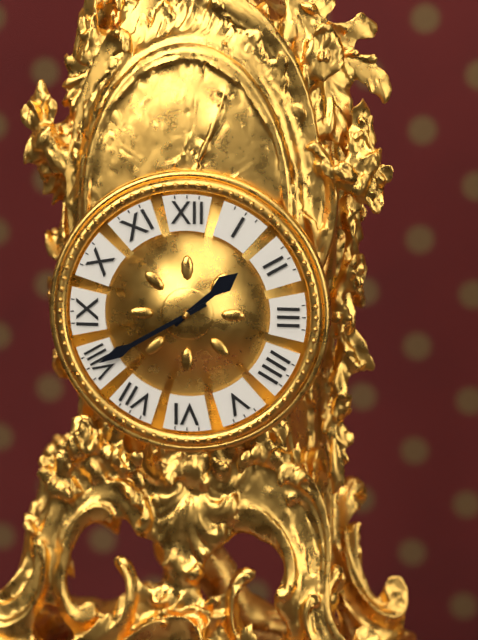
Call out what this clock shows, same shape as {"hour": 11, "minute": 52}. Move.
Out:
{"hour": 1, "minute": 40}
